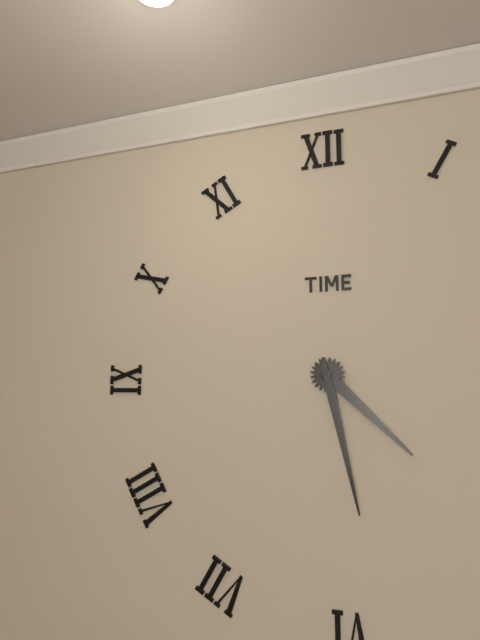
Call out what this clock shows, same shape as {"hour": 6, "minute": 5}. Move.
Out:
{"hour": 4, "minute": 28}
